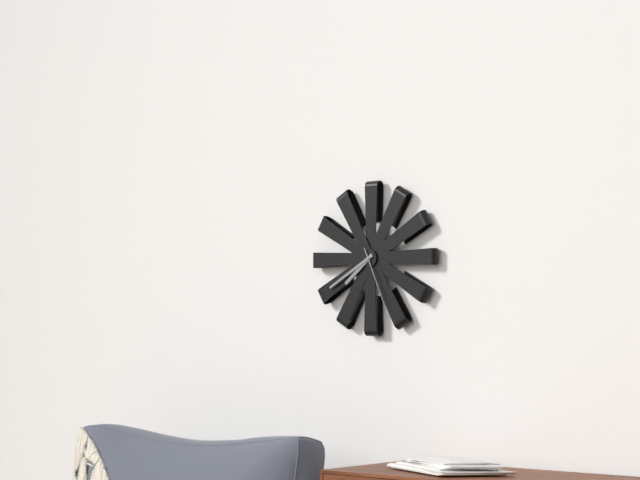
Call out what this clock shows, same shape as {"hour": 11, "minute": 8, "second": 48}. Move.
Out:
{"hour": 7, "minute": 40, "second": 26}
